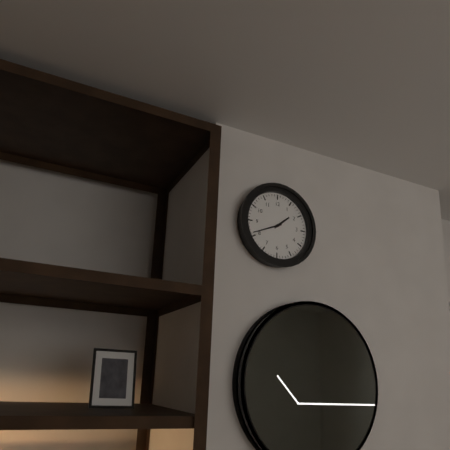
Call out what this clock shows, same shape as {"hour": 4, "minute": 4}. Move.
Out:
{"hour": 1, "minute": 41}
